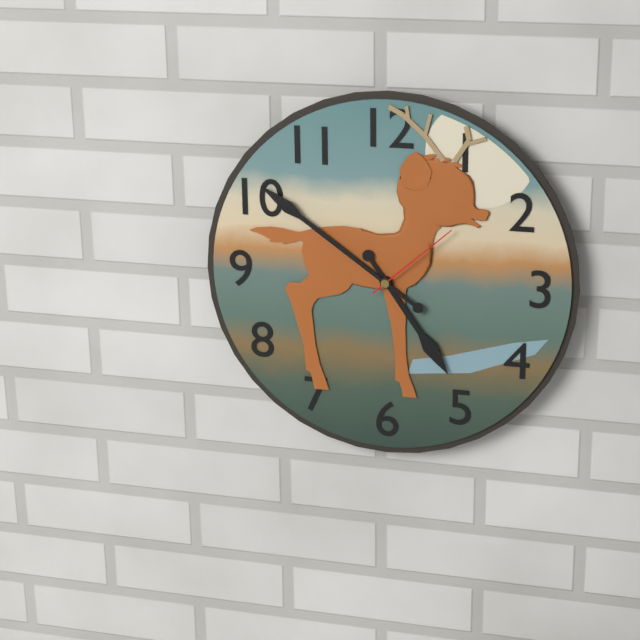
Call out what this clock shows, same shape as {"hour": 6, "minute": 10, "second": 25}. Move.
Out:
{"hour": 4, "minute": 51, "second": 8}
